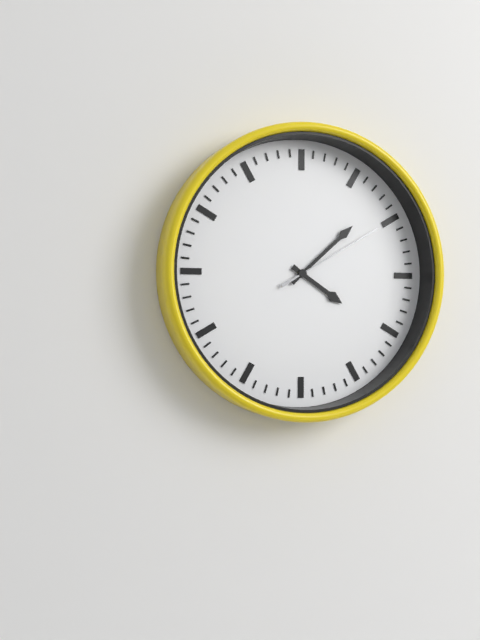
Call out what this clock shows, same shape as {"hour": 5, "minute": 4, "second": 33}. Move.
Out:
{"hour": 4, "minute": 8, "second": 10}
